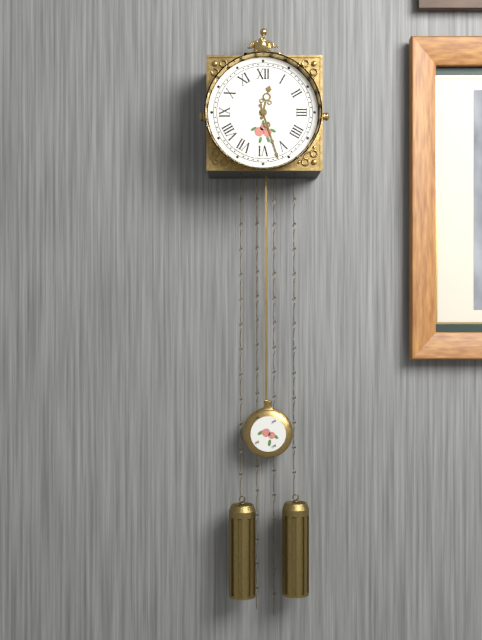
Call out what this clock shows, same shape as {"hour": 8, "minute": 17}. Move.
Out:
{"hour": 12, "minute": 27}
